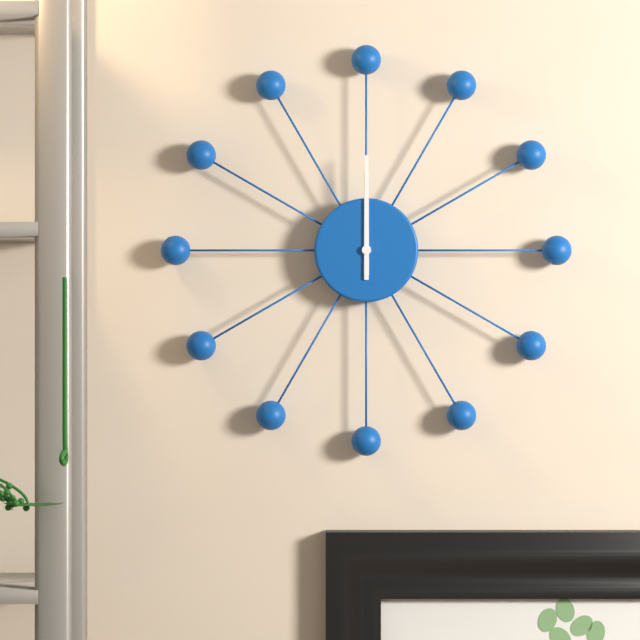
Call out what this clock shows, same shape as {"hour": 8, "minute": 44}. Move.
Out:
{"hour": 12, "minute": 0}
